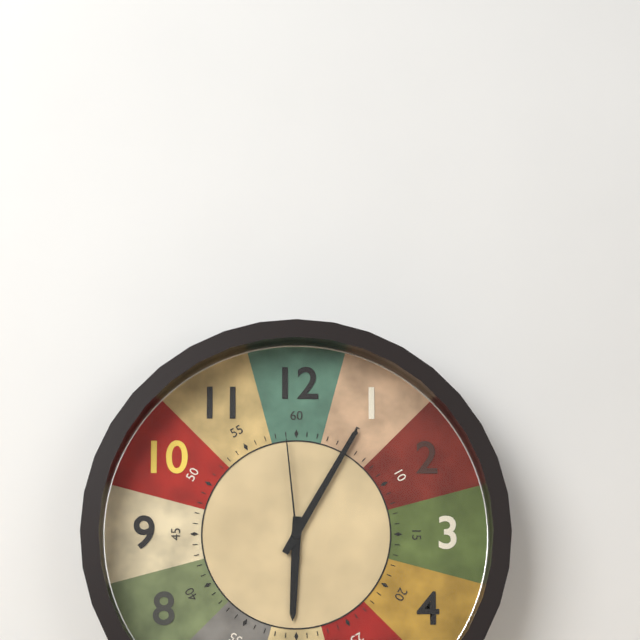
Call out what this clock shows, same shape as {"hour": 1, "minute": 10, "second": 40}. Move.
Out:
{"hour": 6, "minute": 5, "second": 59}
